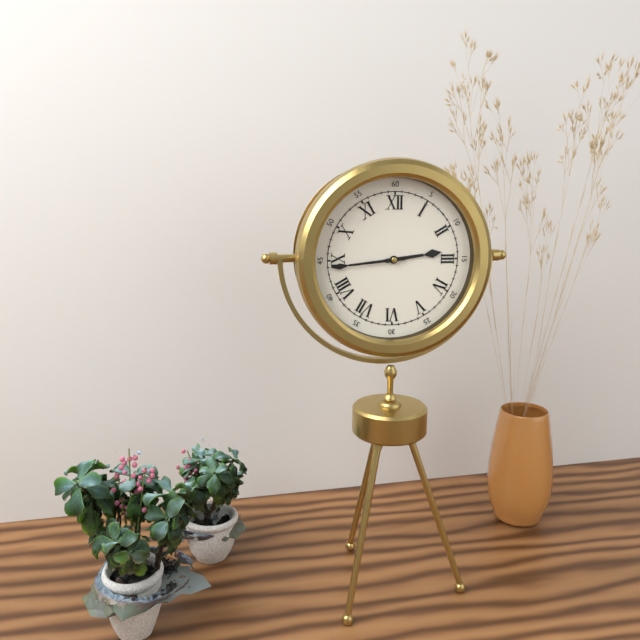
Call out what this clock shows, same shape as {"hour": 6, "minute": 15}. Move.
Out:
{"hour": 2, "minute": 44}
